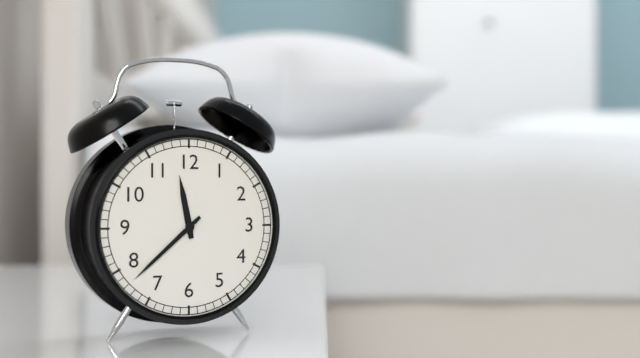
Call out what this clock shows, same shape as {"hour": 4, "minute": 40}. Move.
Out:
{"hour": 11, "minute": 38}
